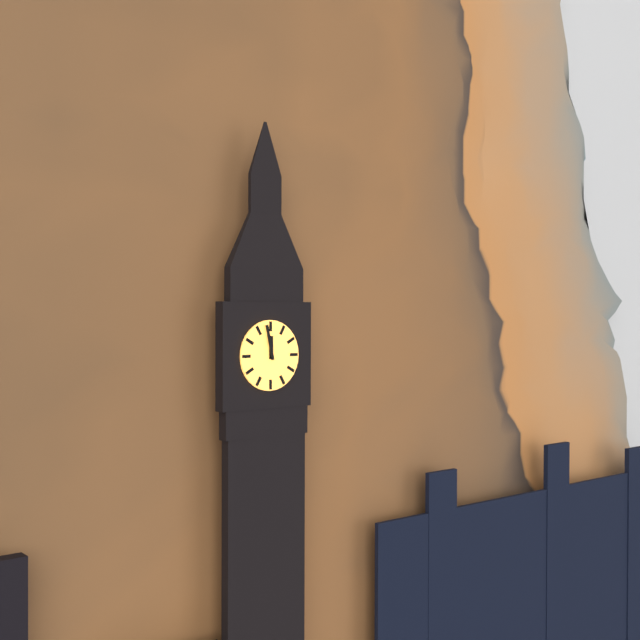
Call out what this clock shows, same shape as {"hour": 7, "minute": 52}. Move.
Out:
{"hour": 11, "minute": 58}
